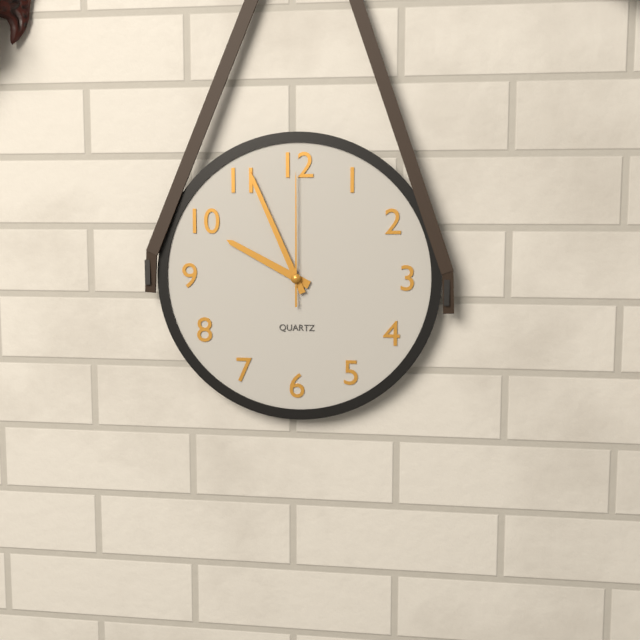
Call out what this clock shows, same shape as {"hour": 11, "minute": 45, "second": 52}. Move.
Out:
{"hour": 9, "minute": 56, "second": 0}
